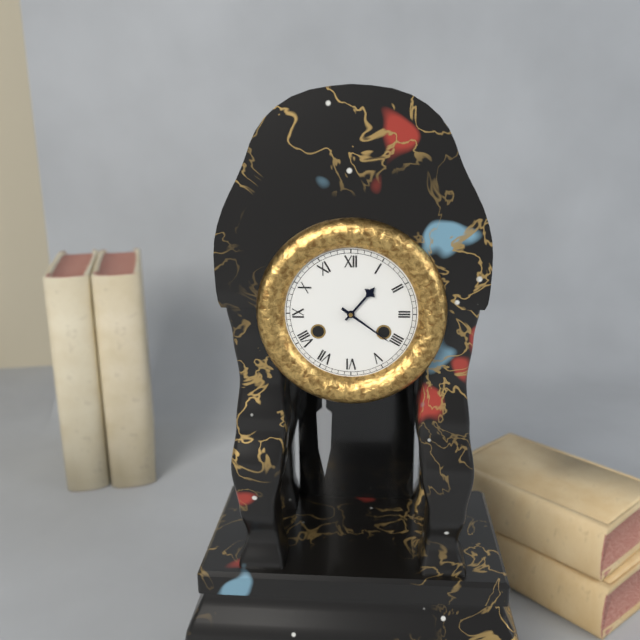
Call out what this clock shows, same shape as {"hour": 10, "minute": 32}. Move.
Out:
{"hour": 1, "minute": 21}
